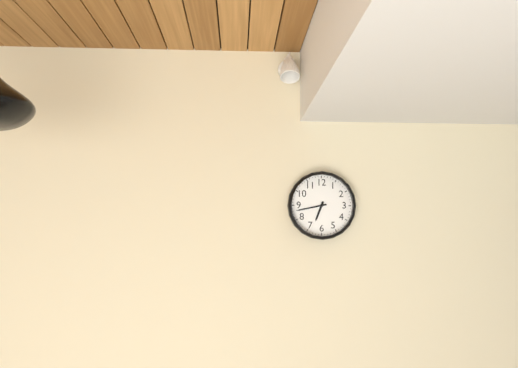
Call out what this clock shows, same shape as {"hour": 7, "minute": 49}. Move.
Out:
{"hour": 6, "minute": 43}
